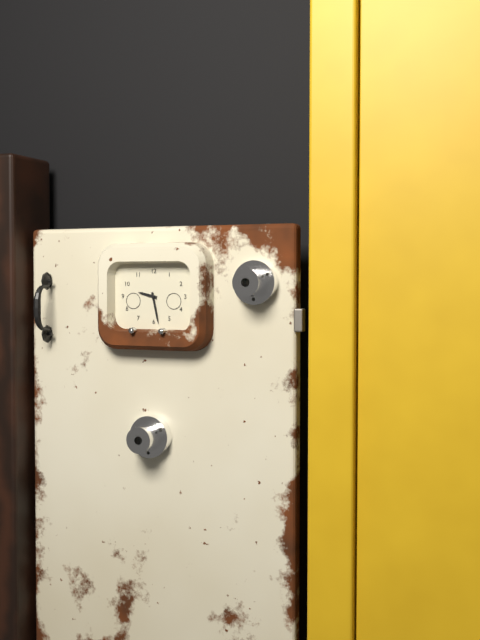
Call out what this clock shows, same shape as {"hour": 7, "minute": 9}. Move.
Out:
{"hour": 9, "minute": 28}
